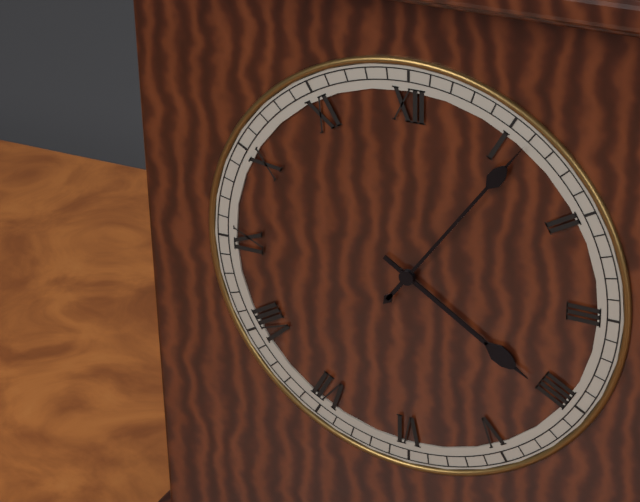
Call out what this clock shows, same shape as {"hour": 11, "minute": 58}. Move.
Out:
{"hour": 4, "minute": 6}
